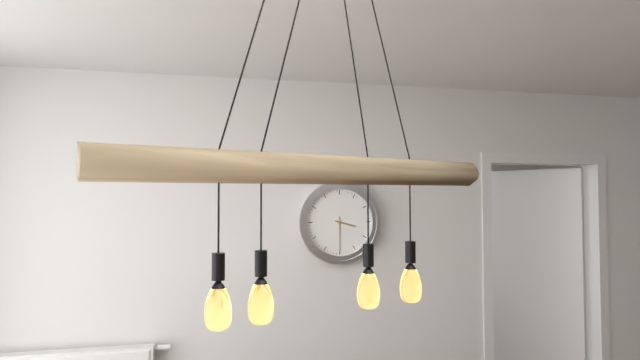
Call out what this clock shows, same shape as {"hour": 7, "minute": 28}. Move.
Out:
{"hour": 3, "minute": 30}
